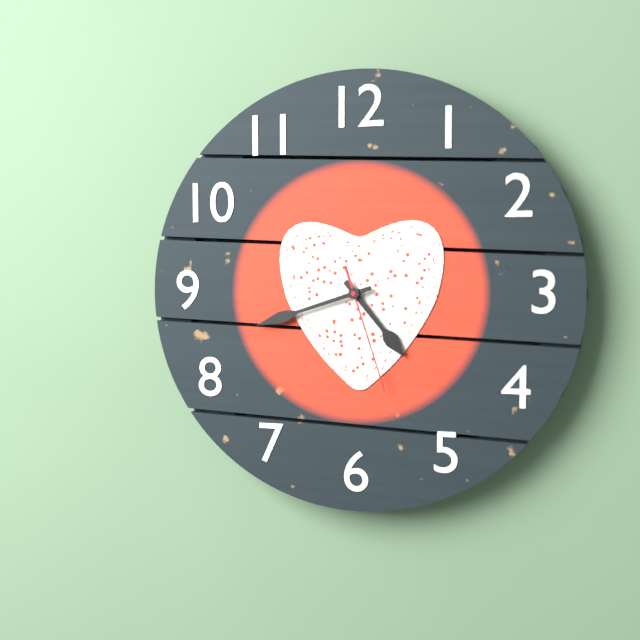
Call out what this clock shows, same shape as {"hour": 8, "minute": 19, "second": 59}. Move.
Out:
{"hour": 4, "minute": 42, "second": 27}
